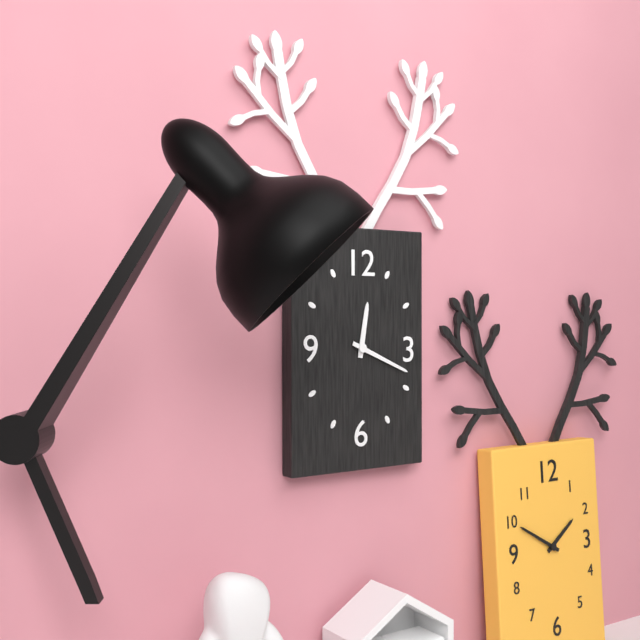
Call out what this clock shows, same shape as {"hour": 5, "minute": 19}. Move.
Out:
{"hour": 12, "minute": 19}
